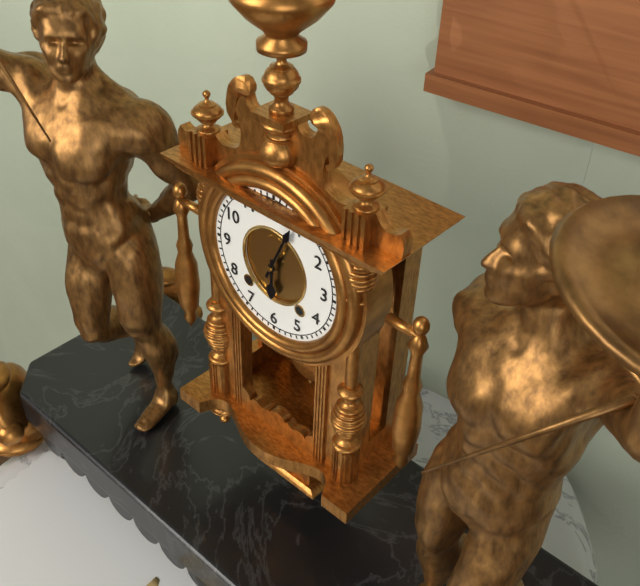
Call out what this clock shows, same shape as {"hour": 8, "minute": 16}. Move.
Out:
{"hour": 6, "minute": 4}
